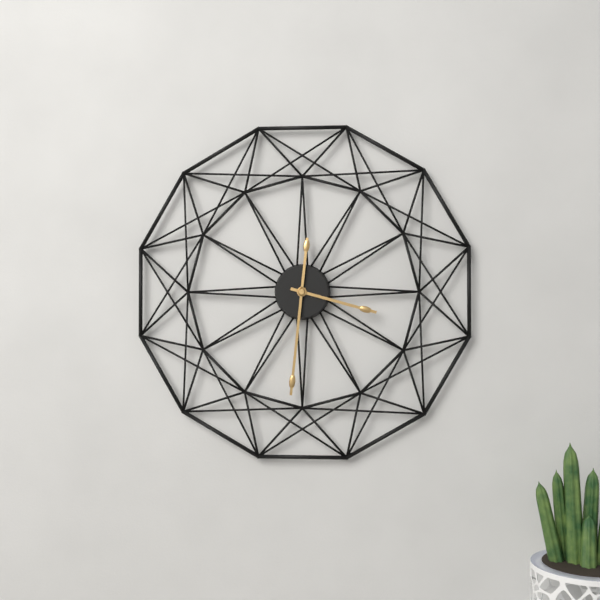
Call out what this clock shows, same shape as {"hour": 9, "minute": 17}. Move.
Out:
{"hour": 3, "minute": 31}
